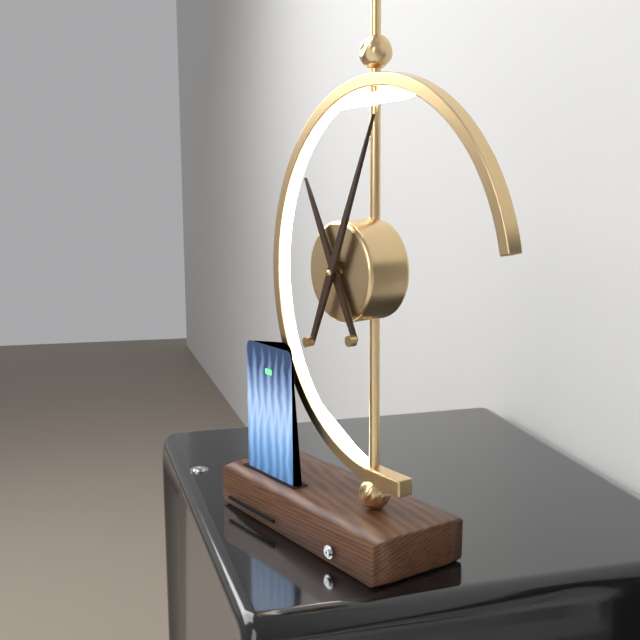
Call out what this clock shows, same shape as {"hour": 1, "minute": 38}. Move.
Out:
{"hour": 11, "minute": 4}
